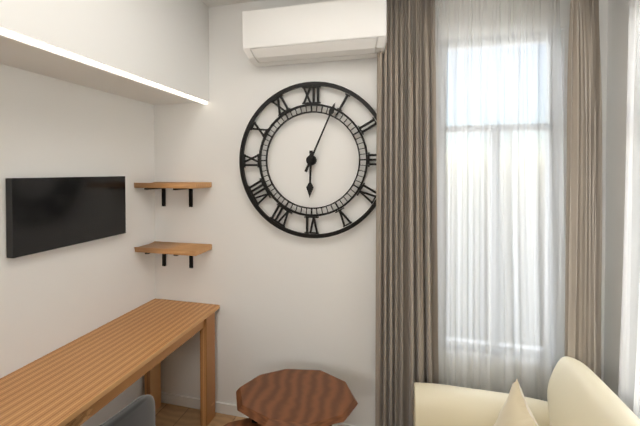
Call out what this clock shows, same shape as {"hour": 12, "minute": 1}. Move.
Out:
{"hour": 6, "minute": 4}
